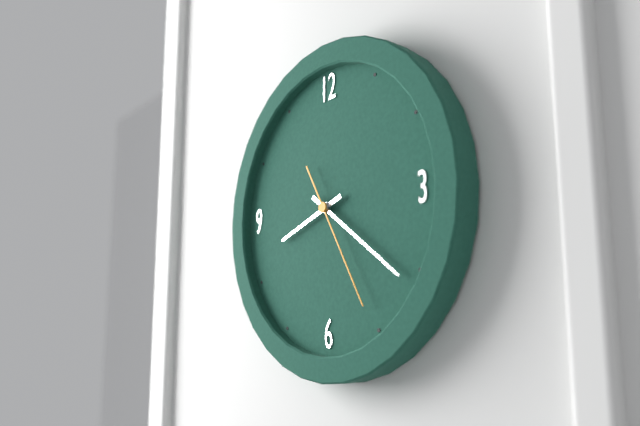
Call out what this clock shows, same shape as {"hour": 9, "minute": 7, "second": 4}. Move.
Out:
{"hour": 8, "minute": 21, "second": 25}
